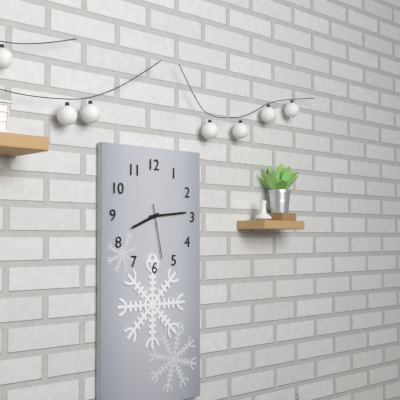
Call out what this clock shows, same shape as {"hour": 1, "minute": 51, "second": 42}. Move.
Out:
{"hour": 8, "minute": 14, "second": 28}
